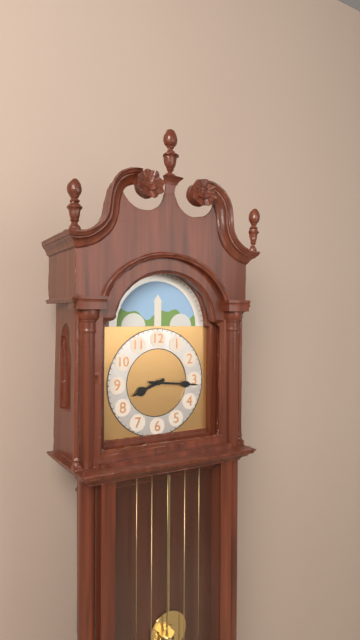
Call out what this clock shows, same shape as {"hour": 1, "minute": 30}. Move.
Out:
{"hour": 8, "minute": 16}
